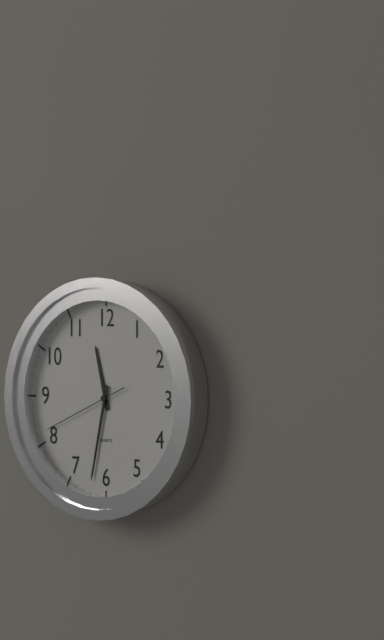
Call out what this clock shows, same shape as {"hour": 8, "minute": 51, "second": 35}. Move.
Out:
{"hour": 11, "minute": 32, "second": 41}
